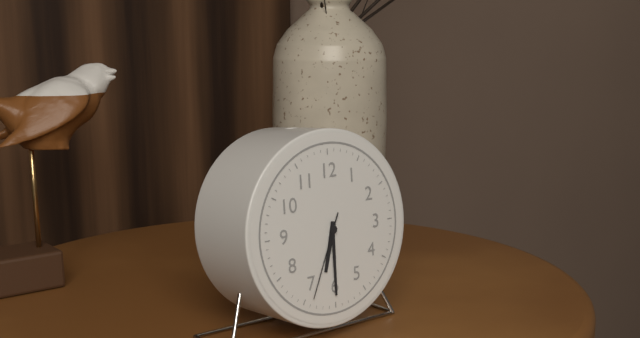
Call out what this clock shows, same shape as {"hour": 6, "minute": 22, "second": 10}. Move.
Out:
{"hour": 6, "minute": 30, "second": 34}
